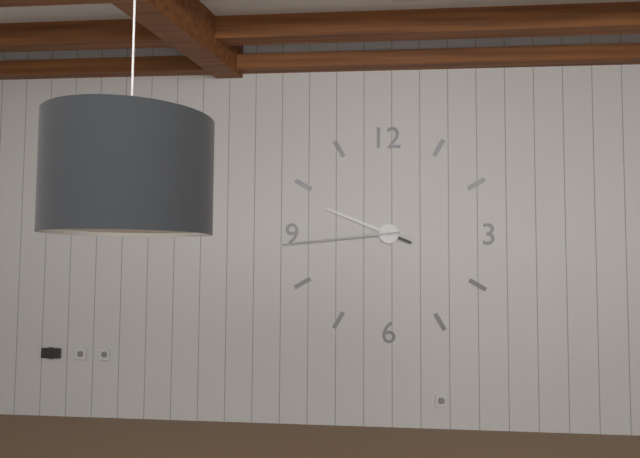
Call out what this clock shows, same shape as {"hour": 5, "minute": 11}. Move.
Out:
{"hour": 9, "minute": 44}
